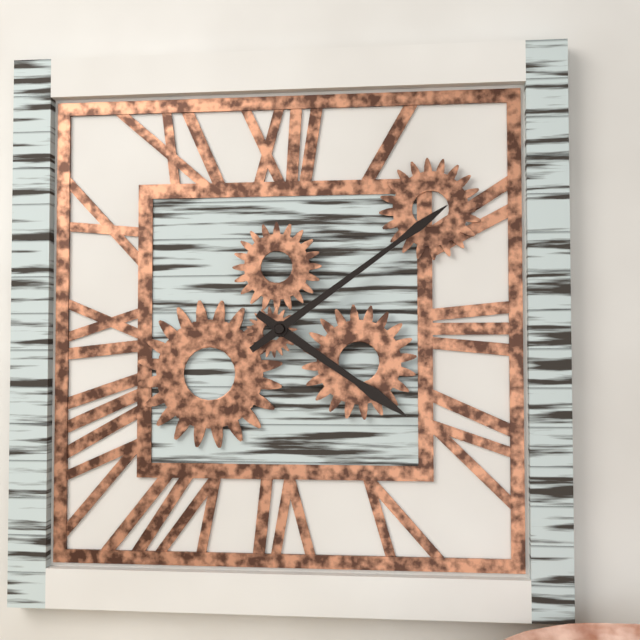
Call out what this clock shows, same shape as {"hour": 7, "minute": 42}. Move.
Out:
{"hour": 4, "minute": 9}
